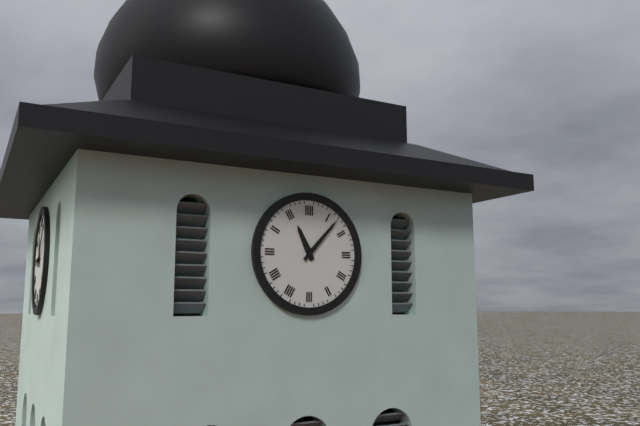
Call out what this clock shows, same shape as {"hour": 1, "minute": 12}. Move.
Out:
{"hour": 11, "minute": 7}
